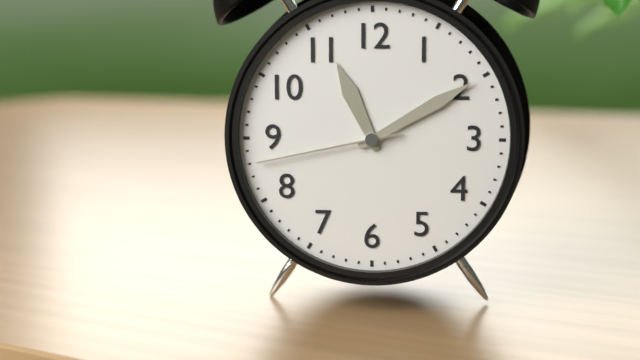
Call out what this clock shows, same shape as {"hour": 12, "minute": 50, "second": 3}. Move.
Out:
{"hour": 11, "minute": 10, "second": 43}
